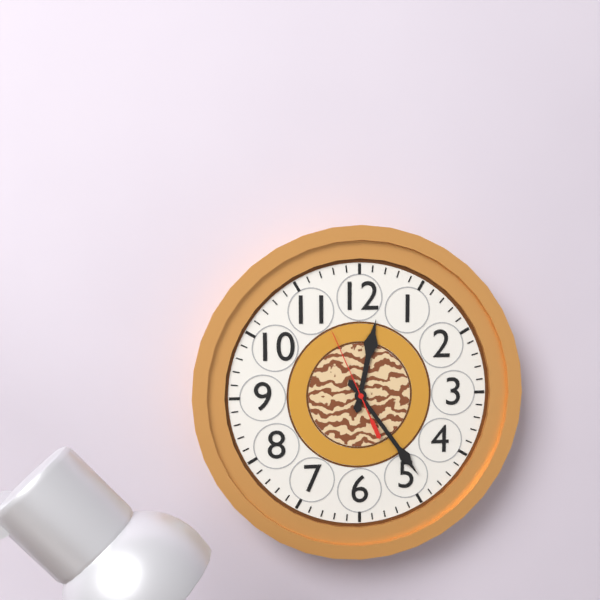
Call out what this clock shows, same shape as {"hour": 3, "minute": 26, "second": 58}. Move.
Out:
{"hour": 12, "minute": 24, "second": 56}
